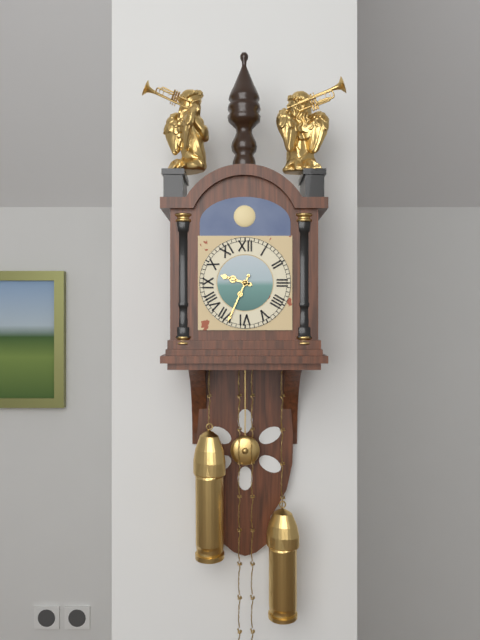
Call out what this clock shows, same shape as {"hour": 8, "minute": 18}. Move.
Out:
{"hour": 9, "minute": 34}
